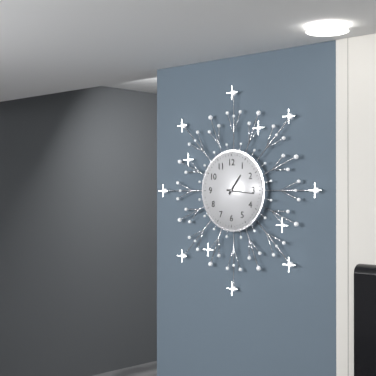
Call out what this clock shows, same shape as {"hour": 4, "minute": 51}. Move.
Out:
{"hour": 1, "minute": 16}
